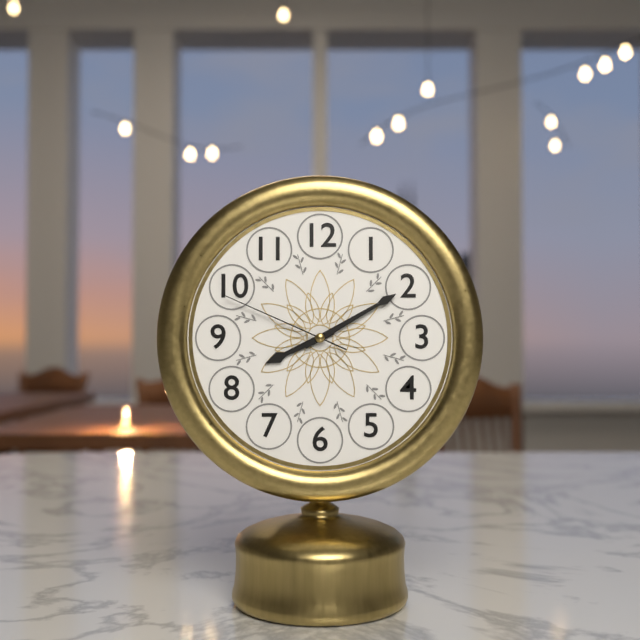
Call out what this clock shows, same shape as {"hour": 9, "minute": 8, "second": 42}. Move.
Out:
{"hour": 8, "minute": 10, "second": 49}
